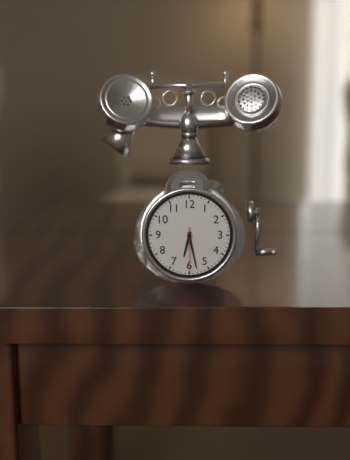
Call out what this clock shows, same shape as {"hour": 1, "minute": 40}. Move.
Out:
{"hour": 6, "minute": 28}
